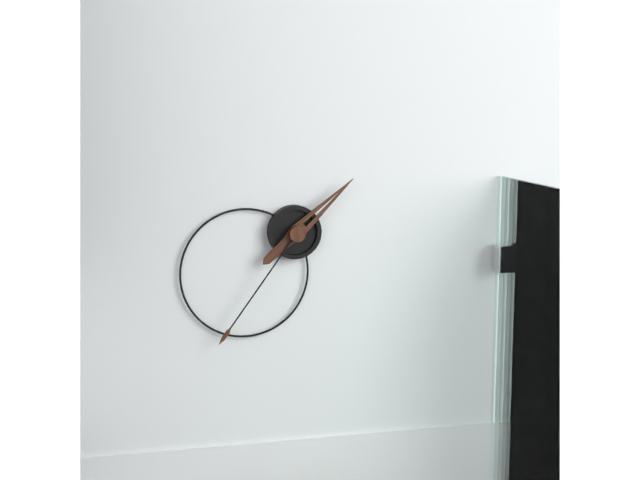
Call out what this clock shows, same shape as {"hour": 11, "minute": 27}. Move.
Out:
{"hour": 1, "minute": 36}
